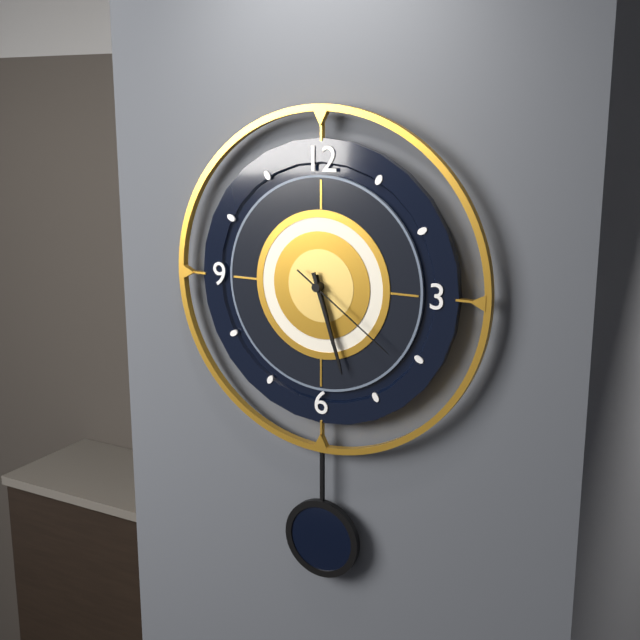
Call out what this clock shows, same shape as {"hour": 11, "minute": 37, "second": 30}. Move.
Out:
{"hour": 5, "minute": 27, "second": 21}
